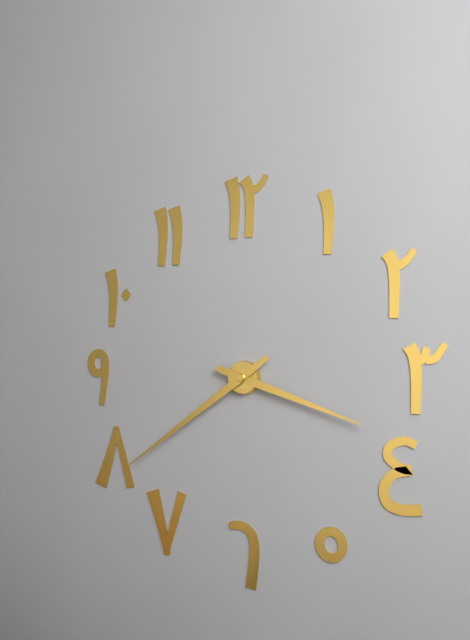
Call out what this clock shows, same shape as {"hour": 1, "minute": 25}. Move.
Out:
{"hour": 3, "minute": 39}
